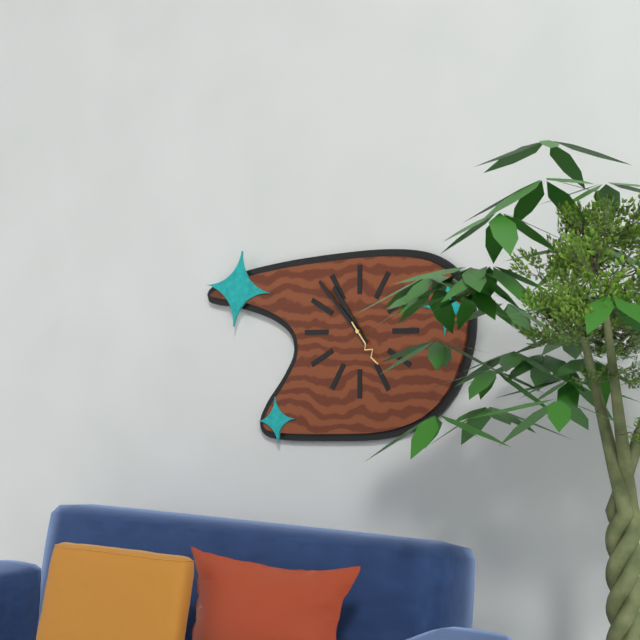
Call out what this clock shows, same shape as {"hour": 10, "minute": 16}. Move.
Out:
{"hour": 10, "minute": 53}
